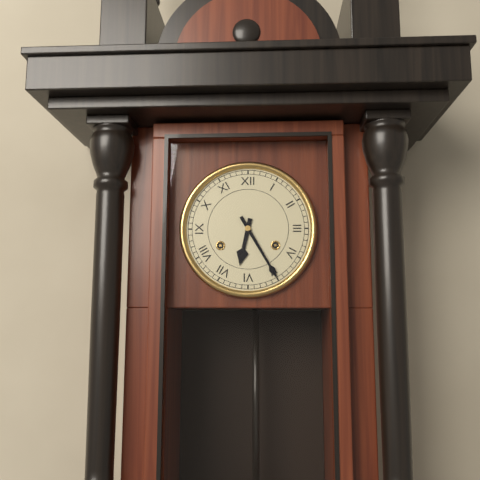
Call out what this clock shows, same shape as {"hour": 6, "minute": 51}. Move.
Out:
{"hour": 6, "minute": 25}
